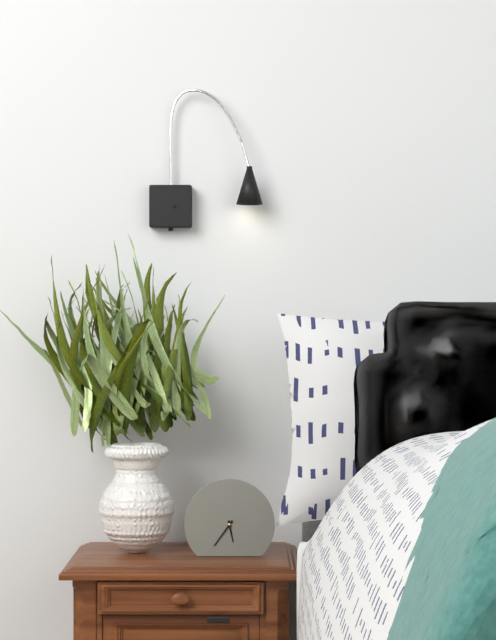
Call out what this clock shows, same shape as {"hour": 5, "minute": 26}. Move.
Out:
{"hour": 5, "minute": 36}
